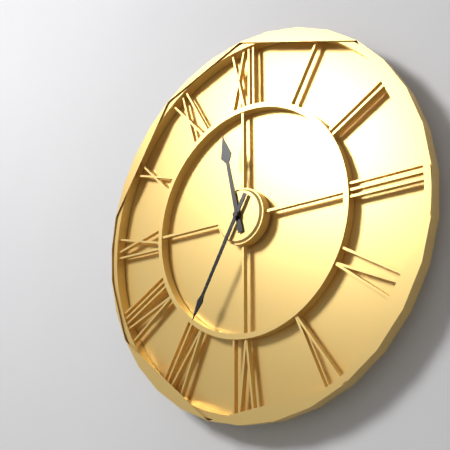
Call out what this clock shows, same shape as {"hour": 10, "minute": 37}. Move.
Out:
{"hour": 11, "minute": 35}
